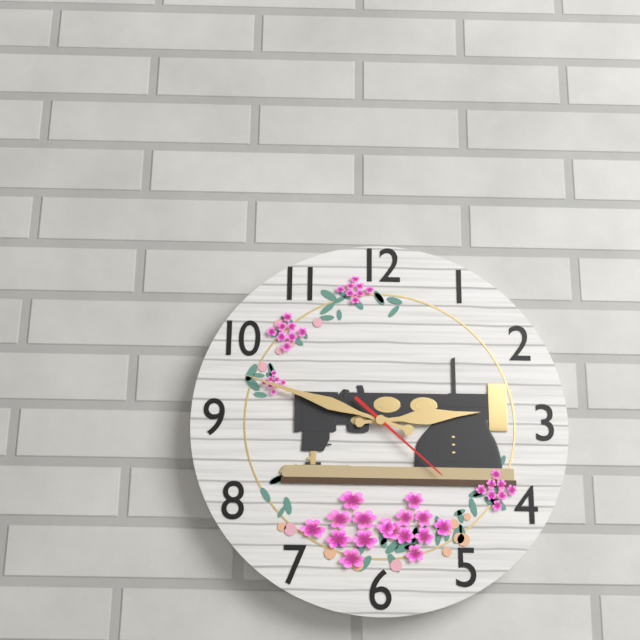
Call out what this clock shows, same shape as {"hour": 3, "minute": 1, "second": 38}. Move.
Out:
{"hour": 2, "minute": 48, "second": 22}
